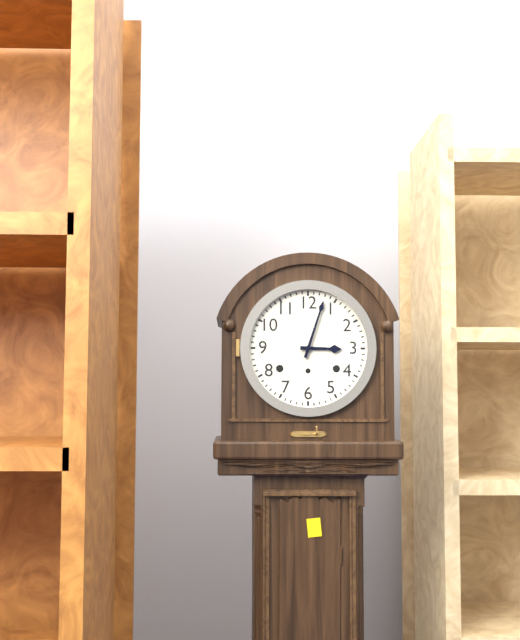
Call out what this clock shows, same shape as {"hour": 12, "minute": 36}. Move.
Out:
{"hour": 3, "minute": 3}
